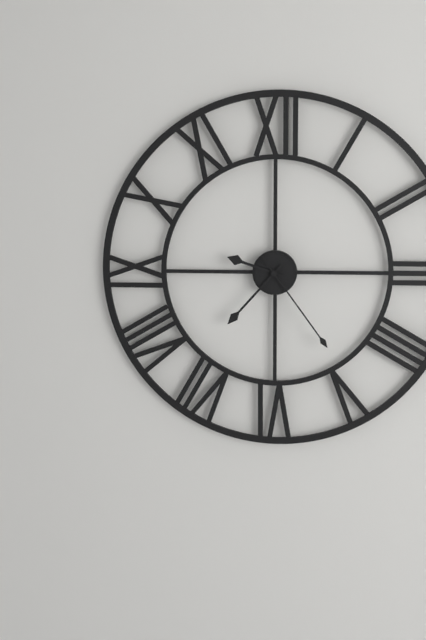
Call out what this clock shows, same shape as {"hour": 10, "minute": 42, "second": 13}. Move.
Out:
{"hour": 9, "minute": 37, "second": 24}
